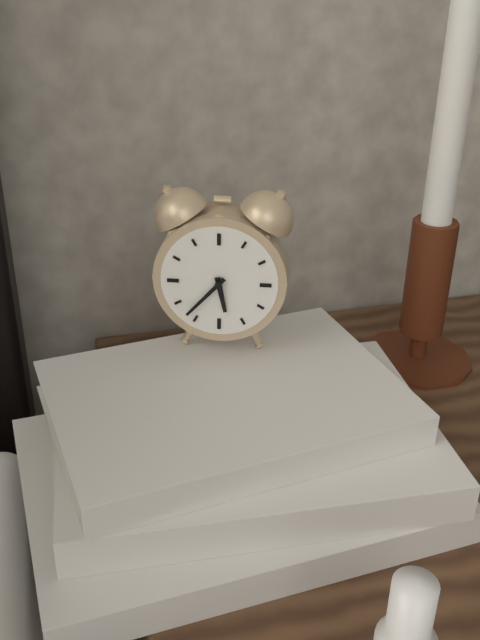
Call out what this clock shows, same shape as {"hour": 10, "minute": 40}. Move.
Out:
{"hour": 5, "minute": 37}
